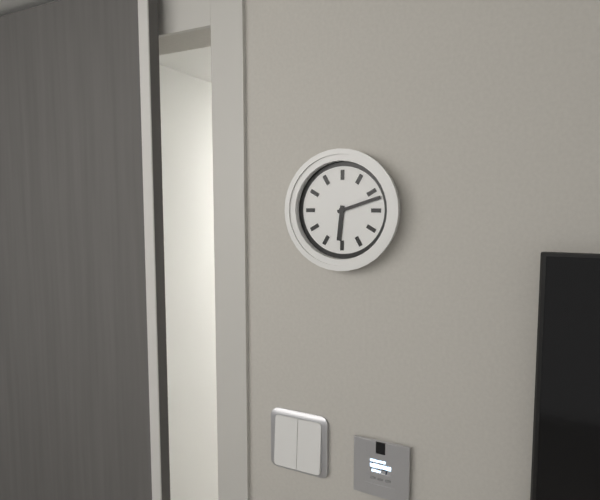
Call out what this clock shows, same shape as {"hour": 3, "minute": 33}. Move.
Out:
{"hour": 6, "minute": 12}
